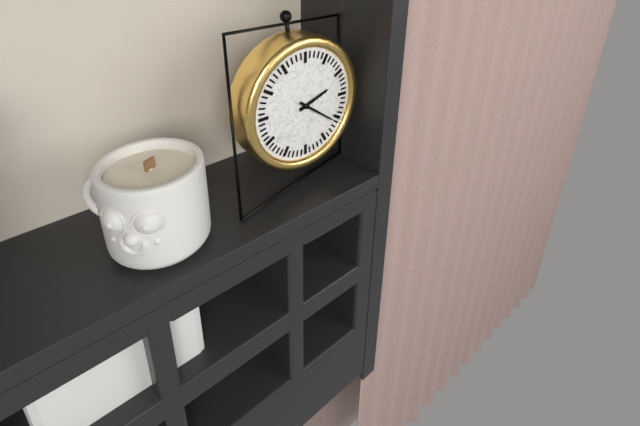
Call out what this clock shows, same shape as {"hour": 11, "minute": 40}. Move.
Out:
{"hour": 2, "minute": 21}
